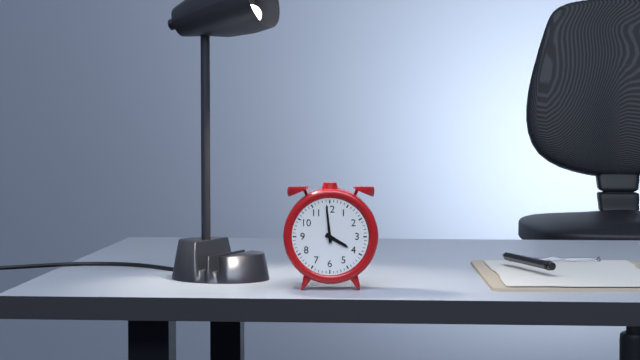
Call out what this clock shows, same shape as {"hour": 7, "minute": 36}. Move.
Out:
{"hour": 3, "minute": 59}
